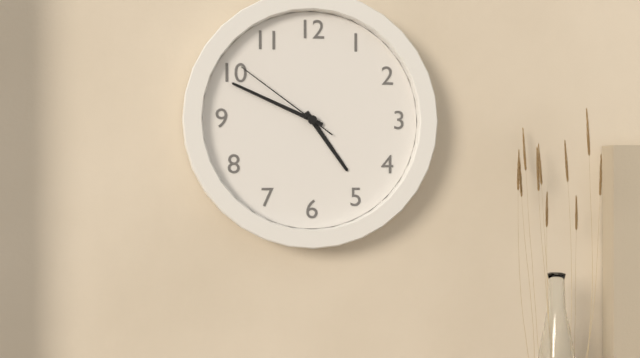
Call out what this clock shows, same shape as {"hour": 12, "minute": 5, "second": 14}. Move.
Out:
{"hour": 4, "minute": 49, "second": 51}
